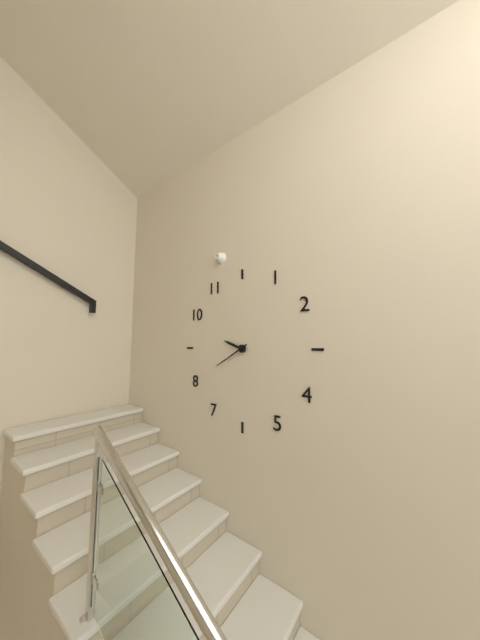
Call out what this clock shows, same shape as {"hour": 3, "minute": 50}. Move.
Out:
{"hour": 9, "minute": 40}
